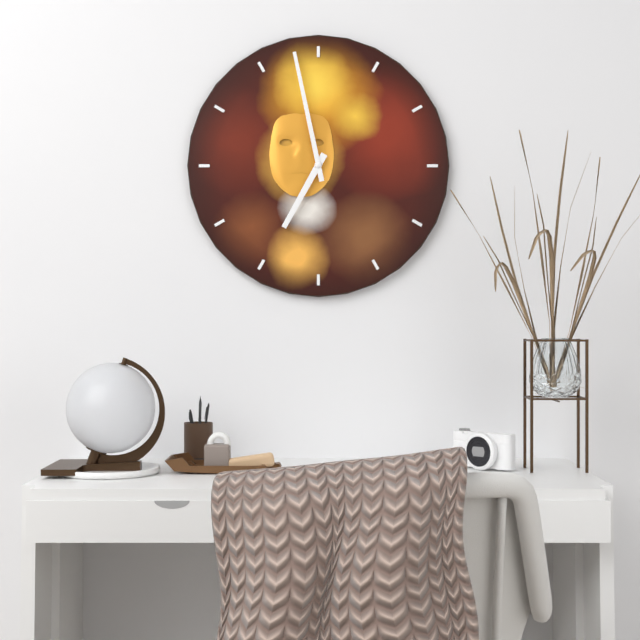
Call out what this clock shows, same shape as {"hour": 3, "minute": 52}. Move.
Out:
{"hour": 6, "minute": 58}
